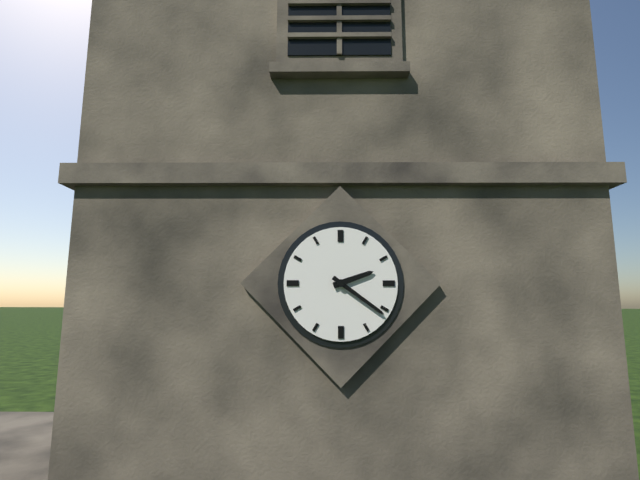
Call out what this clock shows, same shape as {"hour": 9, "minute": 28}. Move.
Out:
{"hour": 2, "minute": 21}
